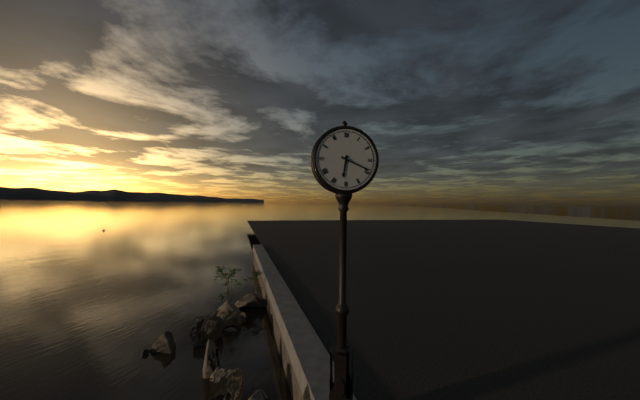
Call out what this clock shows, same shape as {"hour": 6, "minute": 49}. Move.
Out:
{"hour": 6, "minute": 19}
